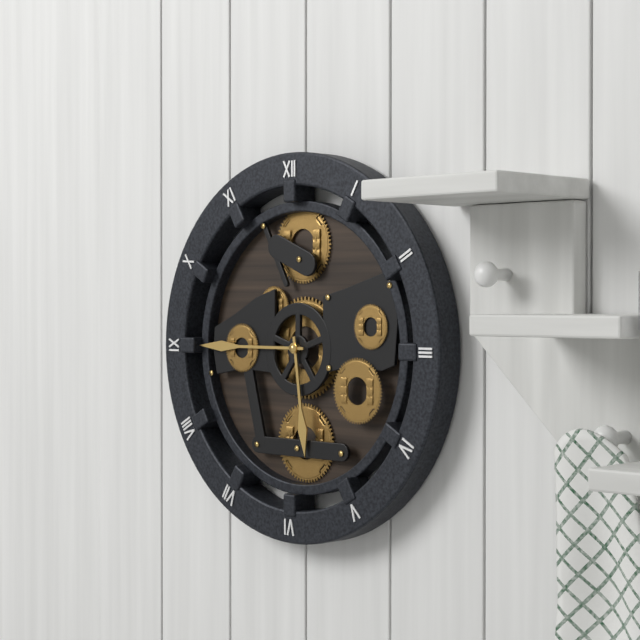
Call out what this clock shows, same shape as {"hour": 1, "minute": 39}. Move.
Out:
{"hour": 5, "minute": 45}
